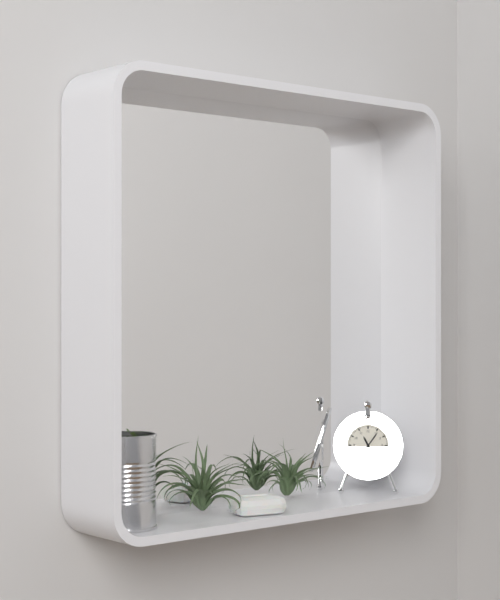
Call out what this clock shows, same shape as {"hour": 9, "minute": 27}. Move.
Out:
{"hour": 11, "minute": 6}
